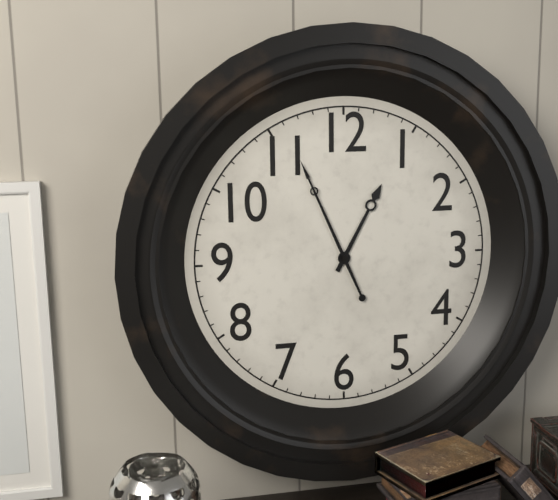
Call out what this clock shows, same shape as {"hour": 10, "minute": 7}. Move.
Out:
{"hour": 12, "minute": 56}
